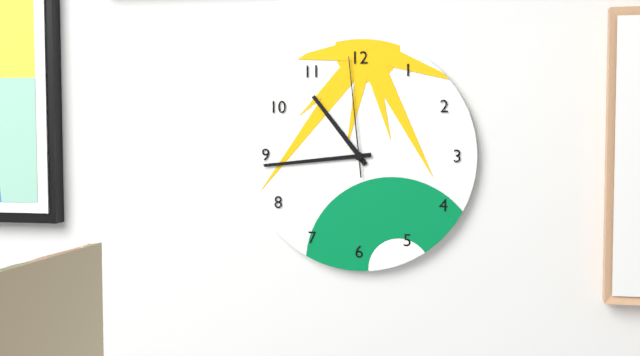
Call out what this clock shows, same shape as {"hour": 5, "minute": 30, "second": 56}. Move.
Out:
{"hour": 10, "minute": 44, "second": 59}
